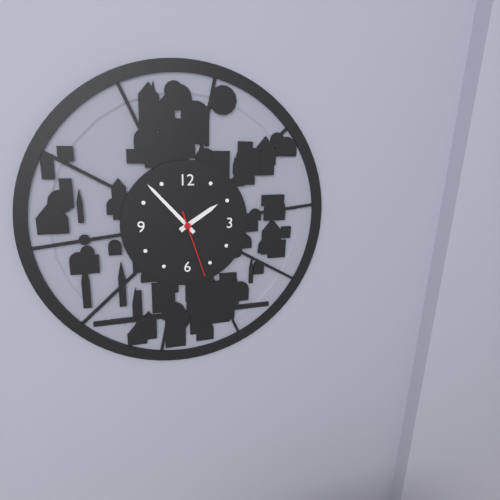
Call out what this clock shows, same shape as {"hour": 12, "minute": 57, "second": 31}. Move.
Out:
{"hour": 1, "minute": 53, "second": 27}
